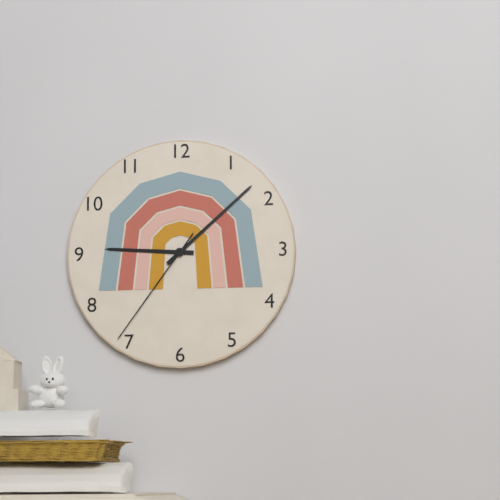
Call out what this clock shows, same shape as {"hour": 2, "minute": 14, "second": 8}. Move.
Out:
{"hour": 9, "minute": 8, "second": 36}
